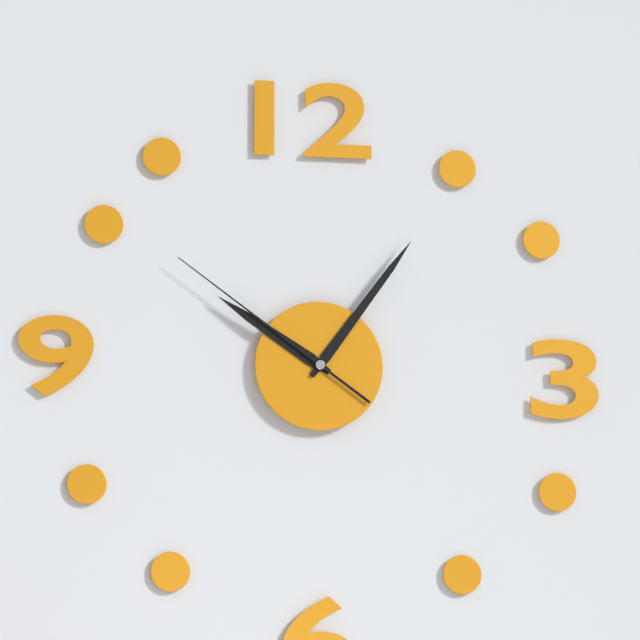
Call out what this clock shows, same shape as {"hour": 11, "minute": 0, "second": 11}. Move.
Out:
{"hour": 10, "minute": 6, "second": 51}
